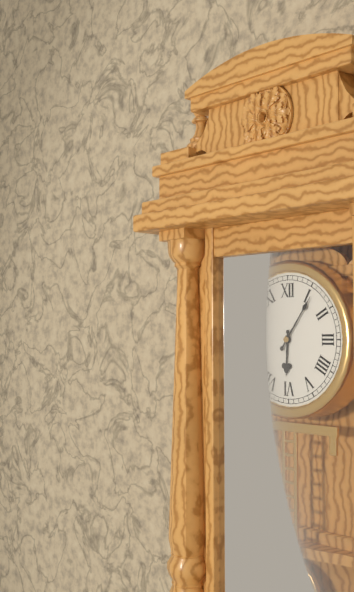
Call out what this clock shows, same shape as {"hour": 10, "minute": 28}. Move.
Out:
{"hour": 6, "minute": 6}
